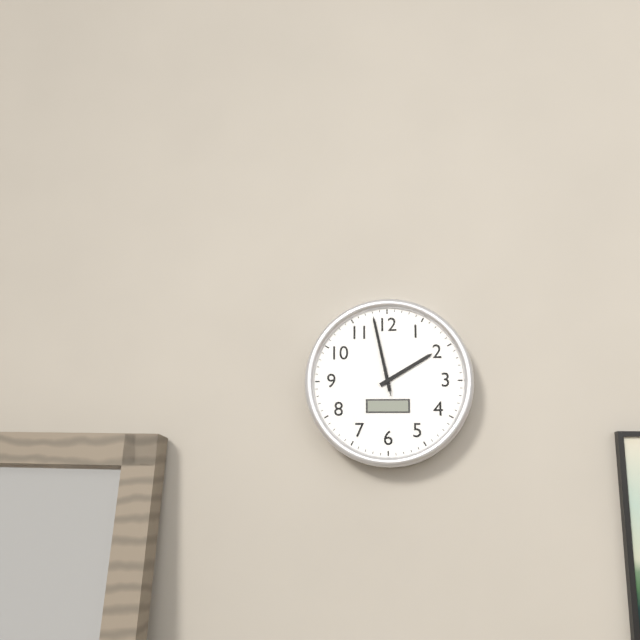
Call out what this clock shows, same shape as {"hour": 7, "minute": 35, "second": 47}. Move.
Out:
{"hour": 1, "minute": 58, "second": 58}
